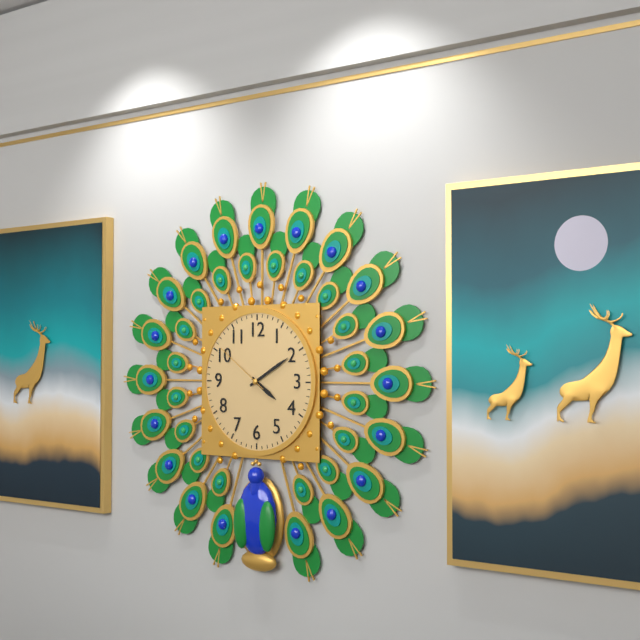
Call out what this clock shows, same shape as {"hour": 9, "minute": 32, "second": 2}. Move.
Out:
{"hour": 4, "minute": 10, "second": 51}
